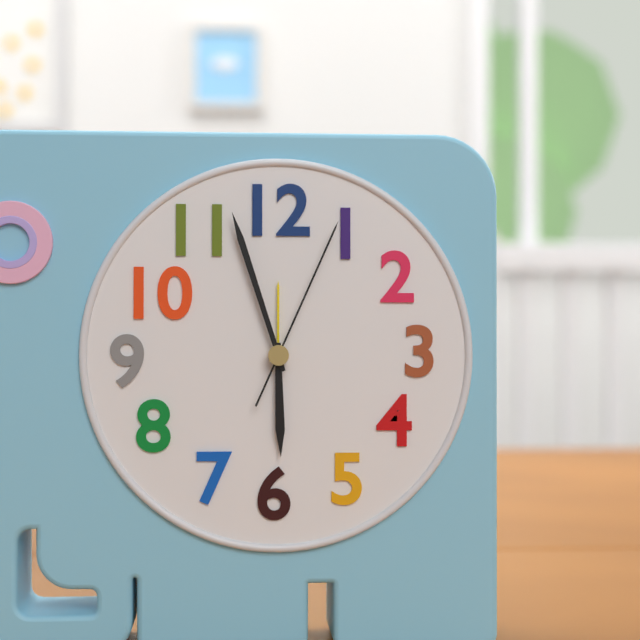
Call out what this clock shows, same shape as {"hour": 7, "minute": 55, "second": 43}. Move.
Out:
{"hour": 5, "minute": 57, "second": 4}
